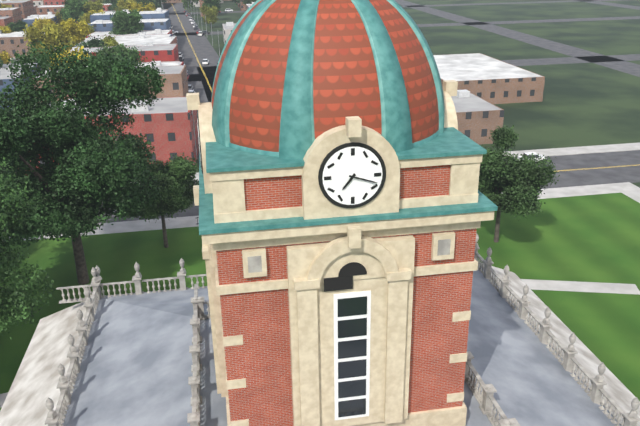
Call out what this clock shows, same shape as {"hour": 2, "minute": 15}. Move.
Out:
{"hour": 7, "minute": 18}
